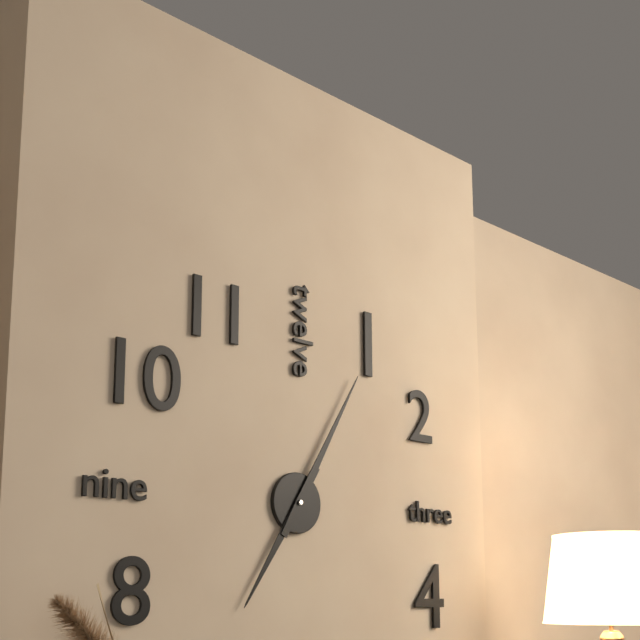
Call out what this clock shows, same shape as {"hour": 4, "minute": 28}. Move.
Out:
{"hour": 7, "minute": 5}
